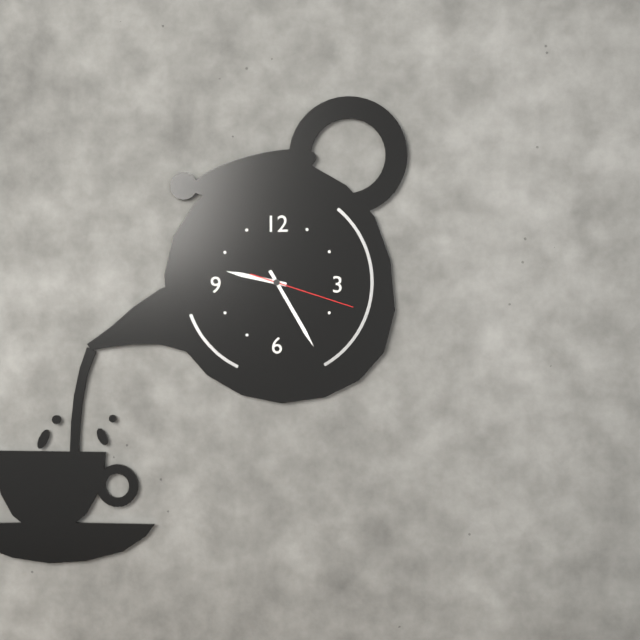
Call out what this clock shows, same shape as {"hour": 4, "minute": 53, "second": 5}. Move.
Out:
{"hour": 9, "minute": 25, "second": 18}
